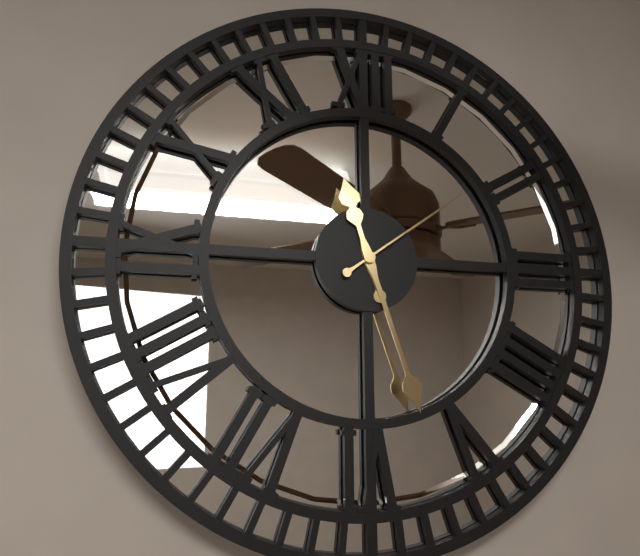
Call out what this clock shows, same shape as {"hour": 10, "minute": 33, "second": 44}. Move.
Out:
{"hour": 11, "minute": 27, "second": 9}
